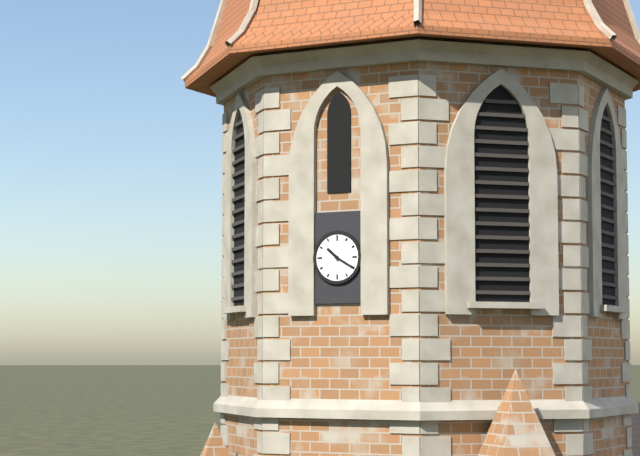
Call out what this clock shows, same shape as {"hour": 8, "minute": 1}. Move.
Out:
{"hour": 10, "minute": 20}
